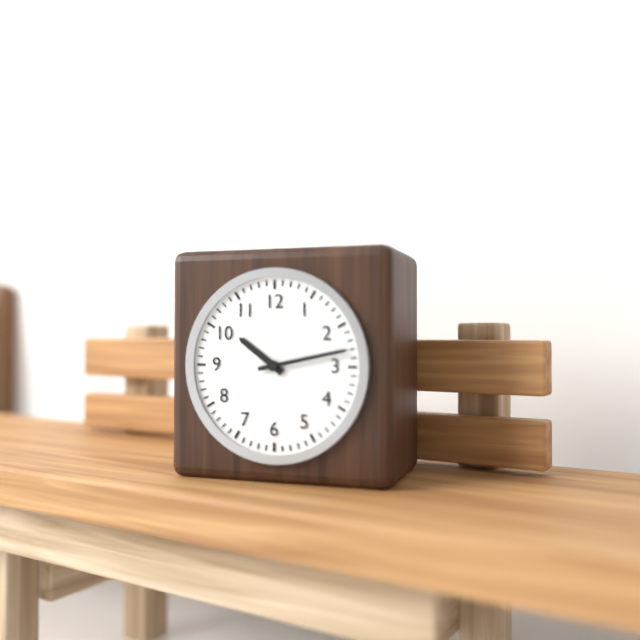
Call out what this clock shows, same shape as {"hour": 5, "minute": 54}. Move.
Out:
{"hour": 10, "minute": 13}
